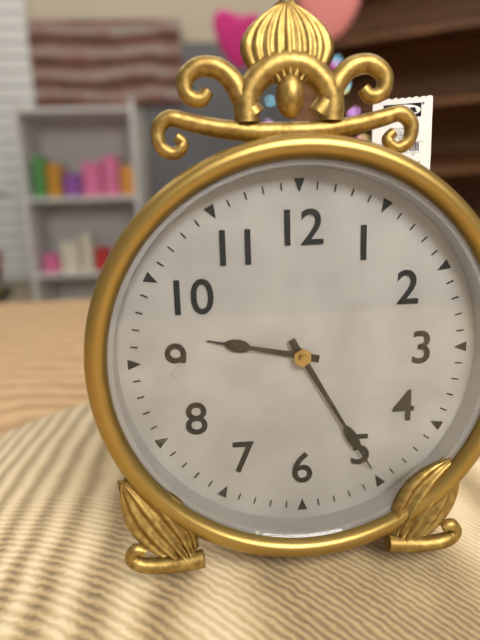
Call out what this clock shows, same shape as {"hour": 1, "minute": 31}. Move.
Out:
{"hour": 9, "minute": 25}
